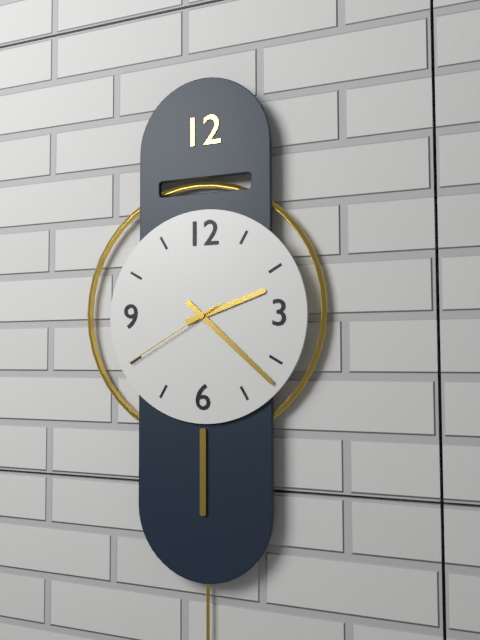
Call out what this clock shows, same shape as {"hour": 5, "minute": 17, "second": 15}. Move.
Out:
{"hour": 2, "minute": 22, "second": 40}
